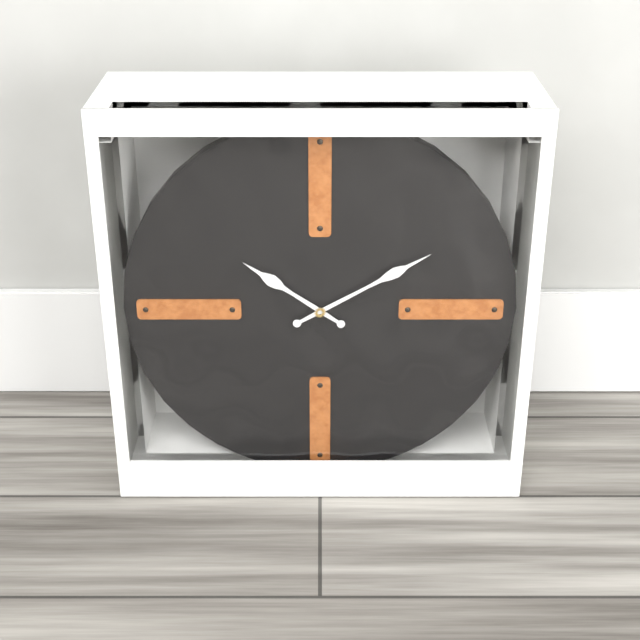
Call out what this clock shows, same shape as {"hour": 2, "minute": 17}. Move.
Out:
{"hour": 10, "minute": 10}
